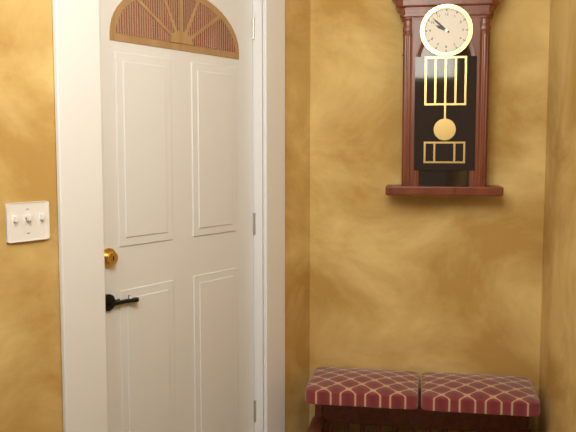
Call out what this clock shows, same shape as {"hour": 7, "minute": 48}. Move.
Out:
{"hour": 9, "minute": 52}
